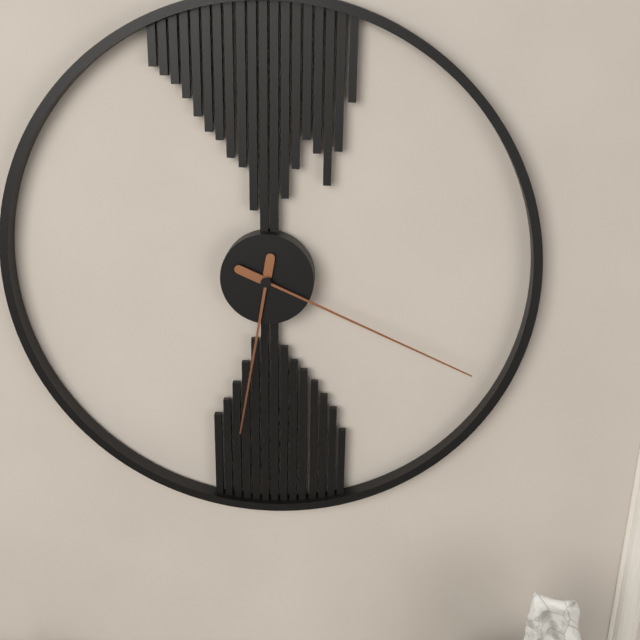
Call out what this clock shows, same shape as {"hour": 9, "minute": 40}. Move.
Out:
{"hour": 6, "minute": 19}
